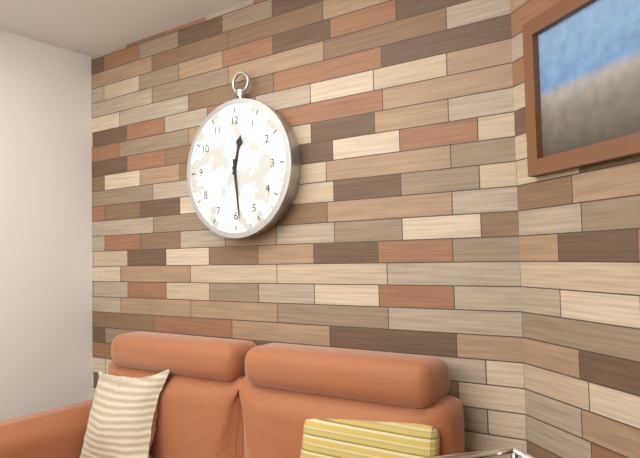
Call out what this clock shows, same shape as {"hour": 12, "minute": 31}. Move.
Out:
{"hour": 12, "minute": 29}
